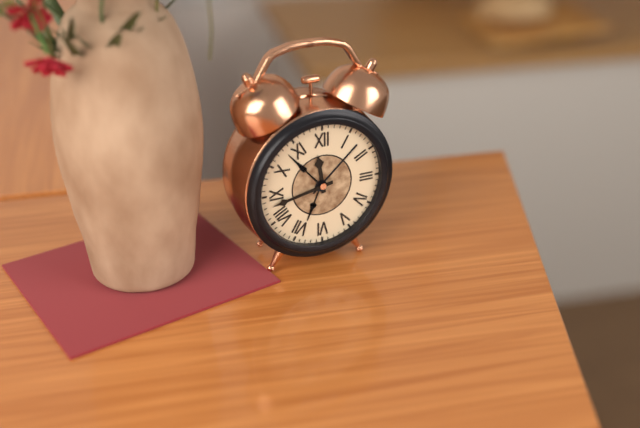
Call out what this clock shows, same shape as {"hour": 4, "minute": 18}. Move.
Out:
{"hour": 11, "minute": 43}
